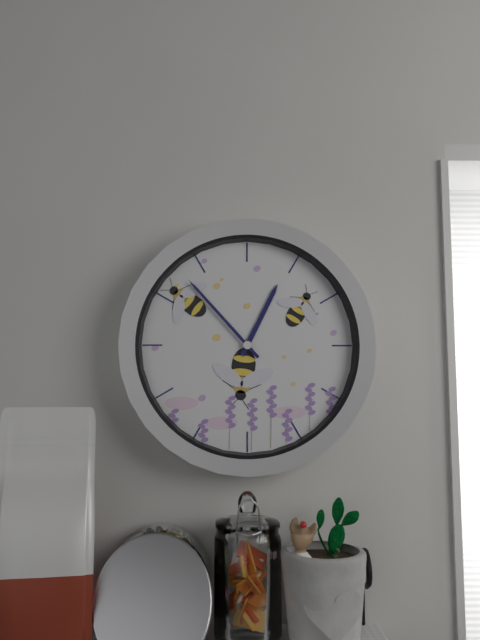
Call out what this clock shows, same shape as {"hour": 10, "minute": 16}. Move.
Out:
{"hour": 12, "minute": 53}
